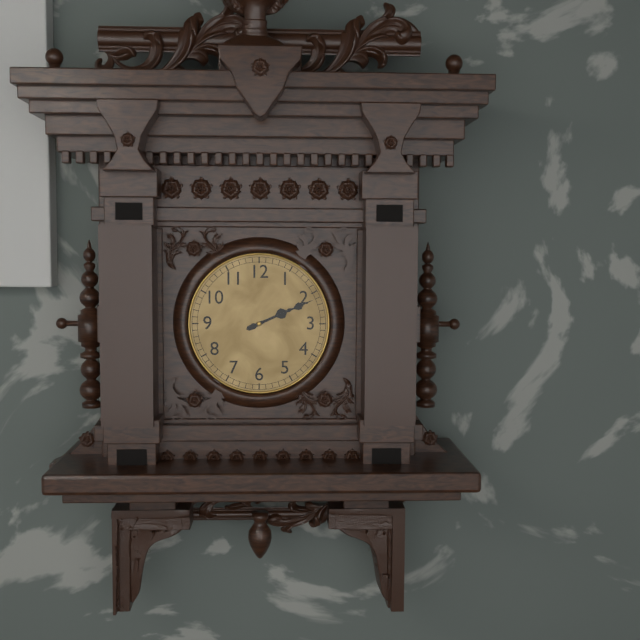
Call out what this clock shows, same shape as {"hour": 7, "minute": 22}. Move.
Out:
{"hour": 2, "minute": 11}
